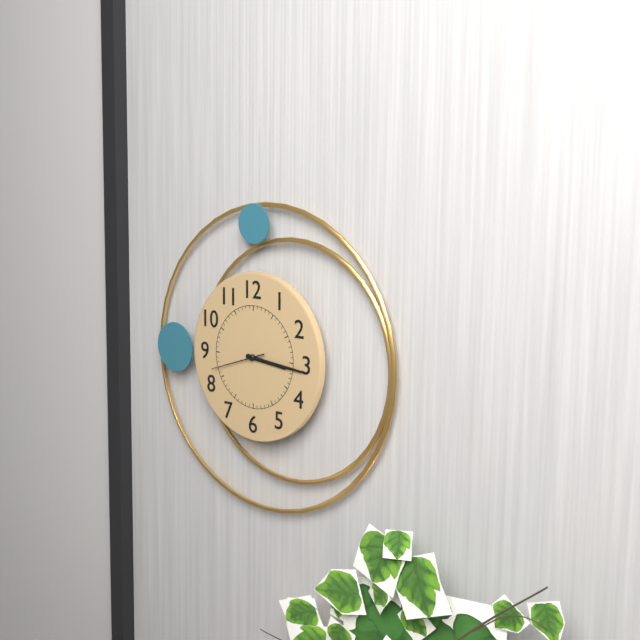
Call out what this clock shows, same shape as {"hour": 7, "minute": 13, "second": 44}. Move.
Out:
{"hour": 3, "minute": 16, "second": 42}
